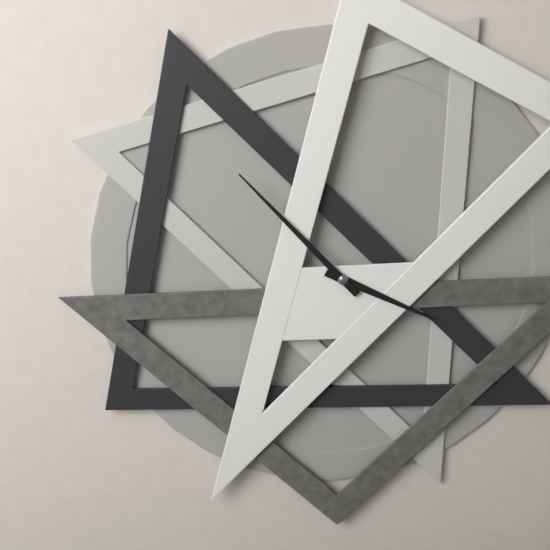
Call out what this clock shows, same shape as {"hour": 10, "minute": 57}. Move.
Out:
{"hour": 3, "minute": 53}
